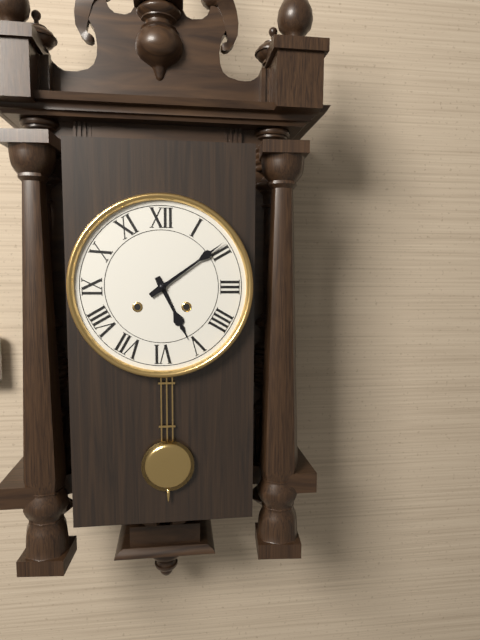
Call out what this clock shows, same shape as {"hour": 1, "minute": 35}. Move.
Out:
{"hour": 5, "minute": 9}
